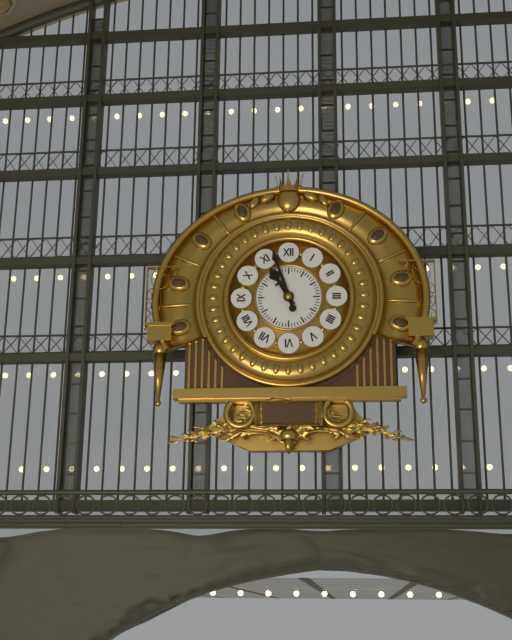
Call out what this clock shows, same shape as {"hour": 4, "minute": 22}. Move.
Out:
{"hour": 10, "minute": 57}
